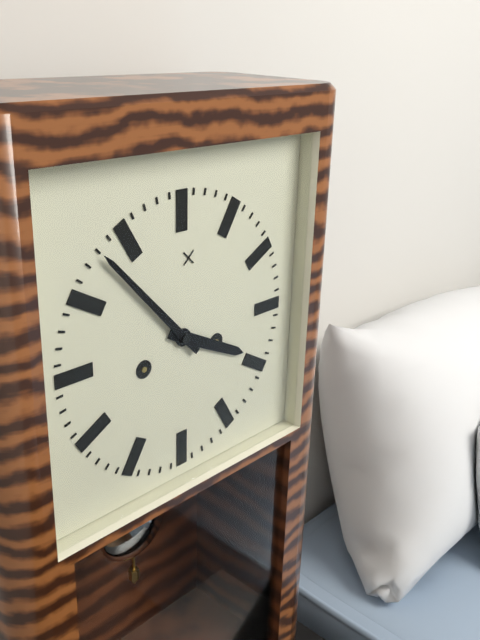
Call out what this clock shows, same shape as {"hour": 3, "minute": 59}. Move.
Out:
{"hour": 3, "minute": 53}
